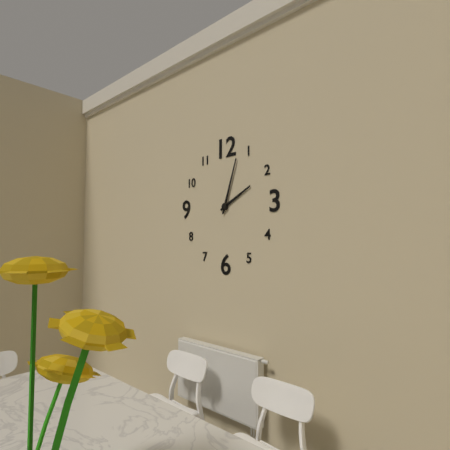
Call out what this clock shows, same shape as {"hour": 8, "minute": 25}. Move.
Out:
{"hour": 2, "minute": 3}
